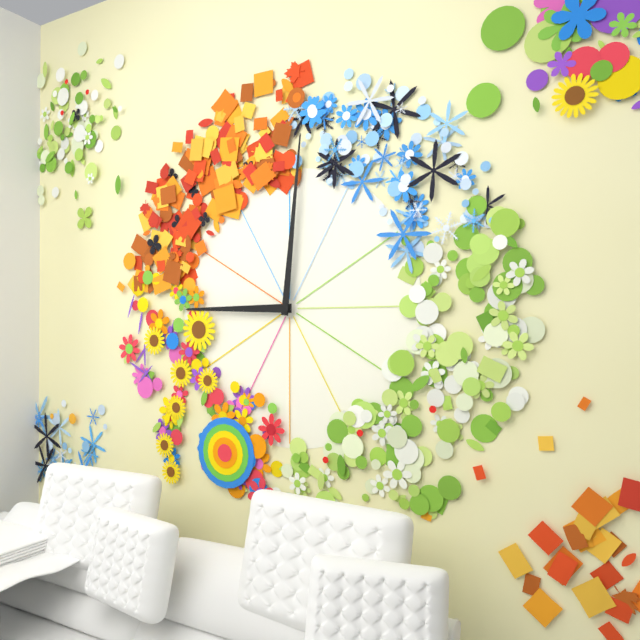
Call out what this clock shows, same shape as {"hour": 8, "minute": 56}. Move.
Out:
{"hour": 9, "minute": 1}
